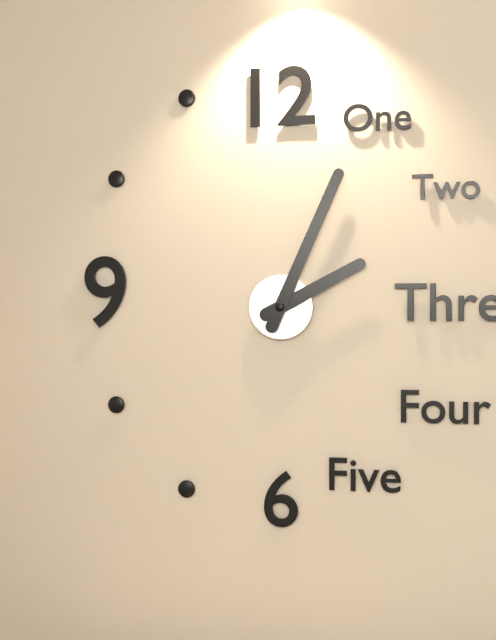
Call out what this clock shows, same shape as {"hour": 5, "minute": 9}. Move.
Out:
{"hour": 2, "minute": 4}
